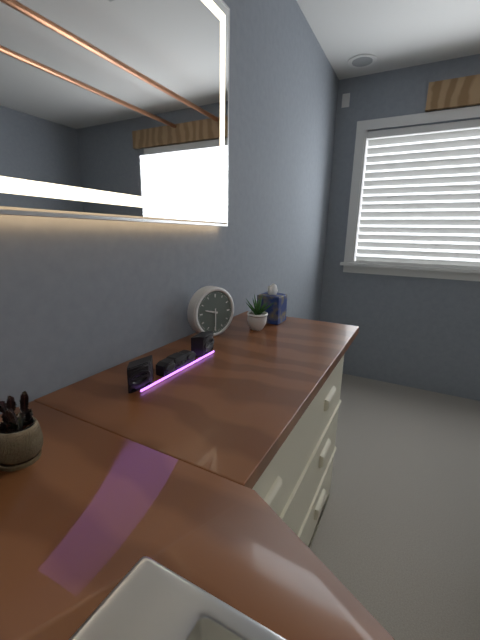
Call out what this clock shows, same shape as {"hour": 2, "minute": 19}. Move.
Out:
{"hour": 9, "minute": 30}
